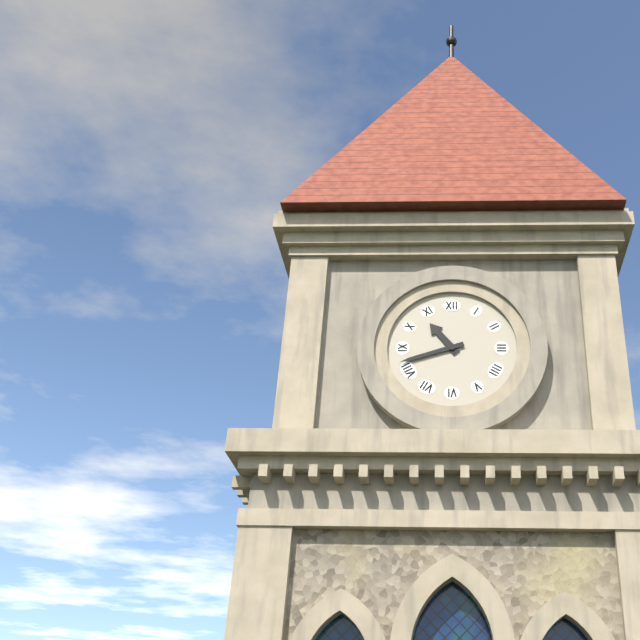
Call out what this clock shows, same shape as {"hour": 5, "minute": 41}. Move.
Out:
{"hour": 10, "minute": 42}
